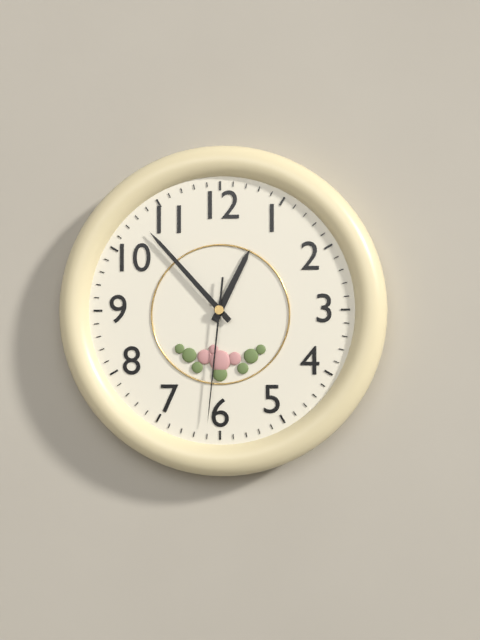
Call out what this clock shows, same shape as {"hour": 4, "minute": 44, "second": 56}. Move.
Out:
{"hour": 12, "minute": 53, "second": 31}
